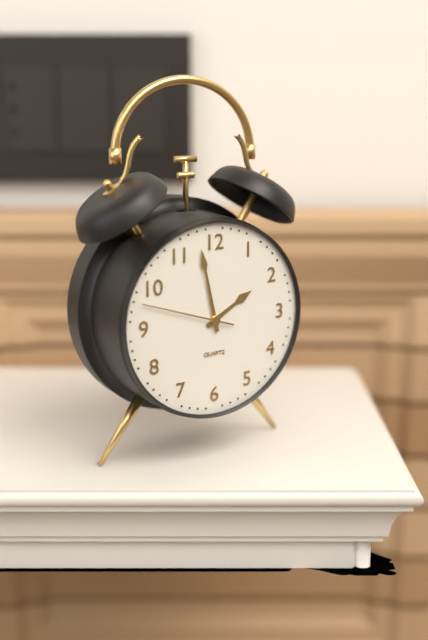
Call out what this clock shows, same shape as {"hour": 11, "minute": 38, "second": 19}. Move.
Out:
{"hour": 1, "minute": 58, "second": 48}
